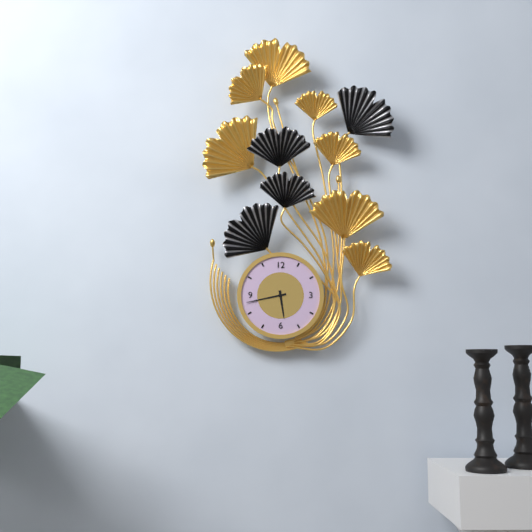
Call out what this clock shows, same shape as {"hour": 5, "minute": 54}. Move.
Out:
{"hour": 5, "minute": 43}
